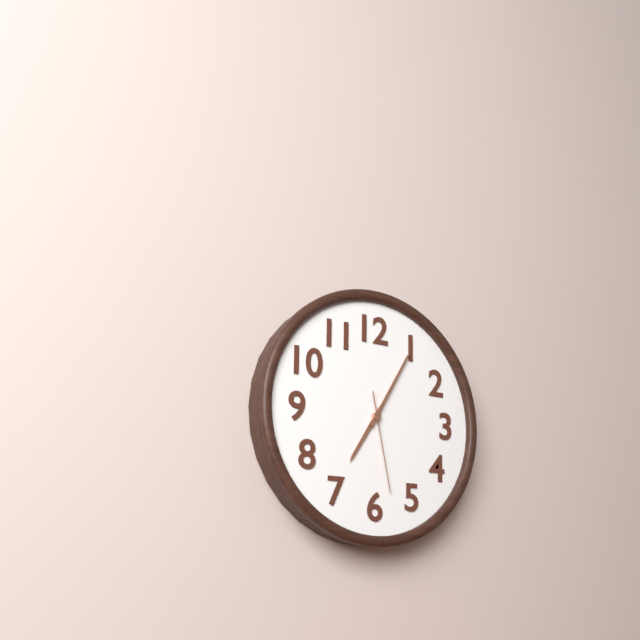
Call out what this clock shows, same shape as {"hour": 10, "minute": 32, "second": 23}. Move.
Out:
{"hour": 7, "minute": 5, "second": 28}
